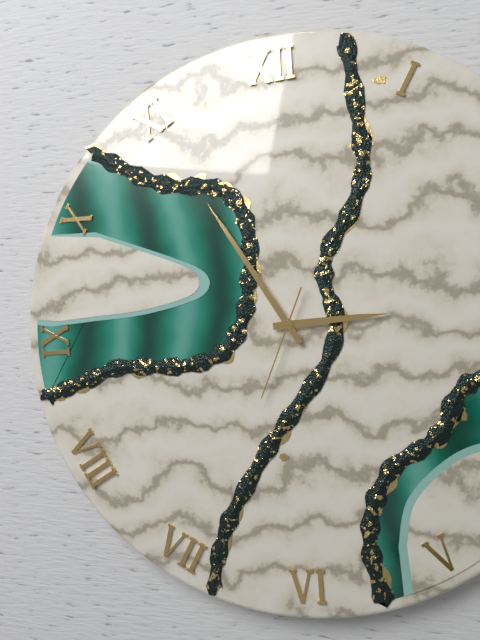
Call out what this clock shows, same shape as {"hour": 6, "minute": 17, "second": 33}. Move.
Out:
{"hour": 2, "minute": 55, "second": 34}
